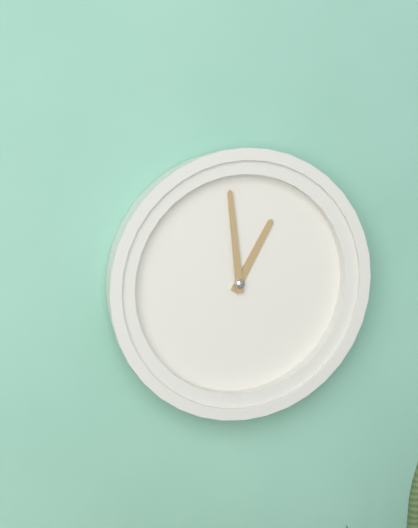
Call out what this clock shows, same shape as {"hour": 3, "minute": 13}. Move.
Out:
{"hour": 12, "minute": 59}
